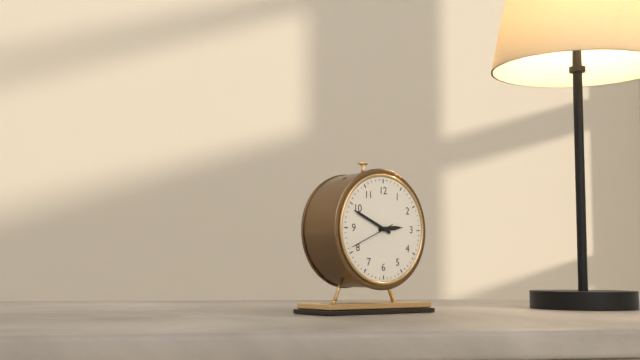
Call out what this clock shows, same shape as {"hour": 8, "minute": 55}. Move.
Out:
{"hour": 2, "minute": 49}
